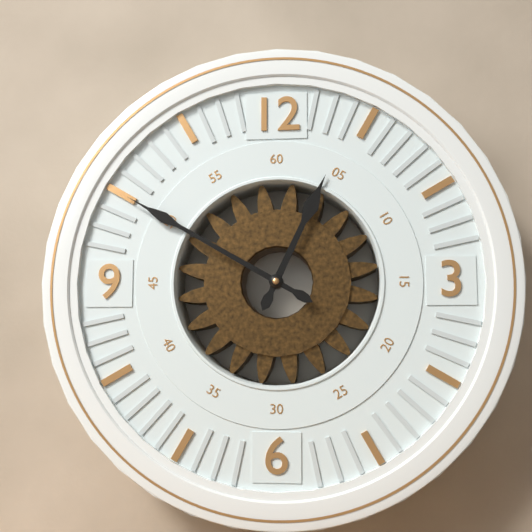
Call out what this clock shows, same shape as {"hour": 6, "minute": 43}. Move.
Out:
{"hour": 12, "minute": 50}
